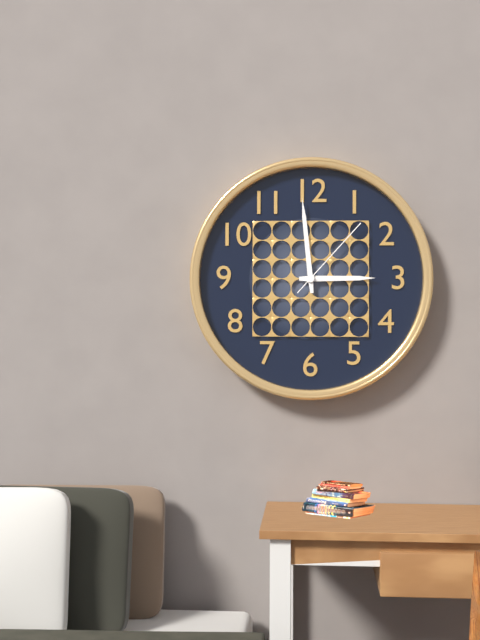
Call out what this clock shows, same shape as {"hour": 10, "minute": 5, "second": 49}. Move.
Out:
{"hour": 2, "minute": 59, "second": 7}
